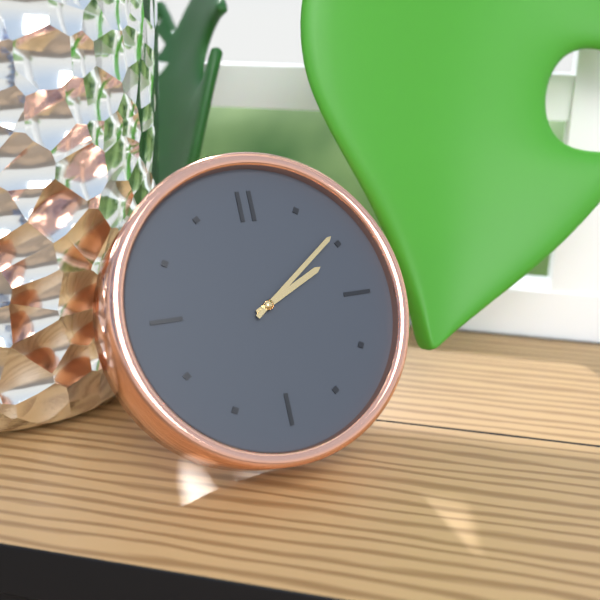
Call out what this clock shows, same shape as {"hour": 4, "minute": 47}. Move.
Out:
{"hour": 2, "minute": 9}
